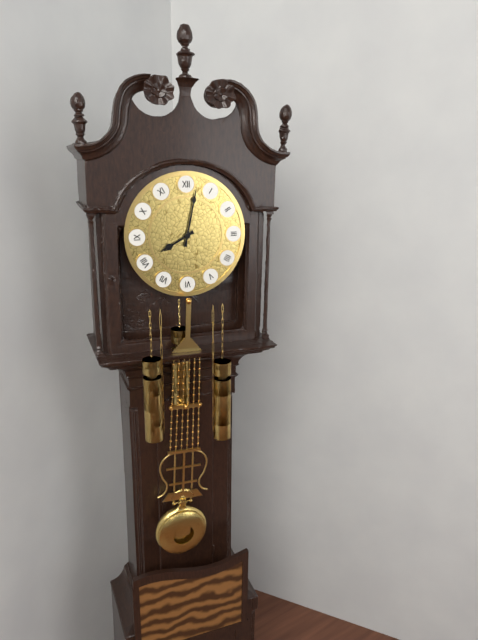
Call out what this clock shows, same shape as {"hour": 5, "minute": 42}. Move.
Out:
{"hour": 8, "minute": 2}
